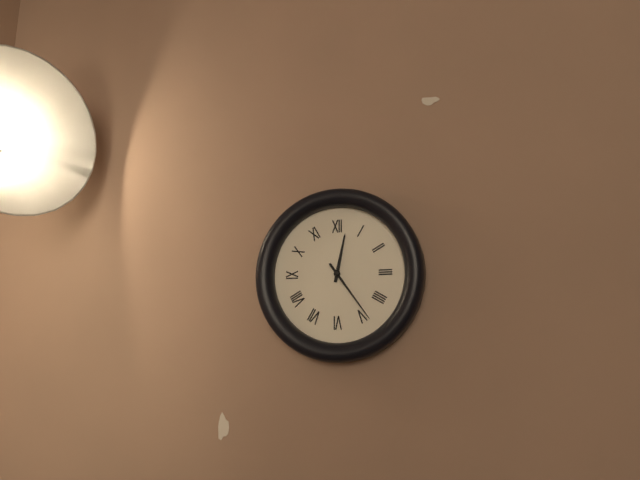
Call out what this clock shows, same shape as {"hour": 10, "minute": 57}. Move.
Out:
{"hour": 12, "minute": 24}
